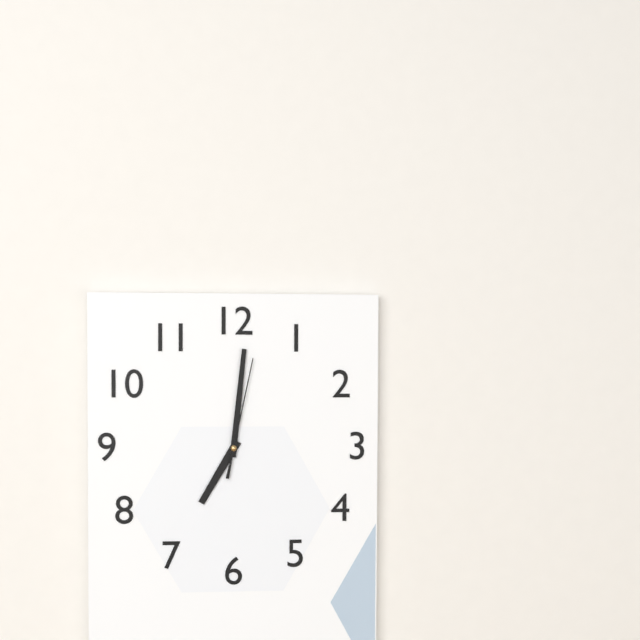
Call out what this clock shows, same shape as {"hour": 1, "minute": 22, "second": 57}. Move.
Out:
{"hour": 7, "minute": 1, "second": 2}
